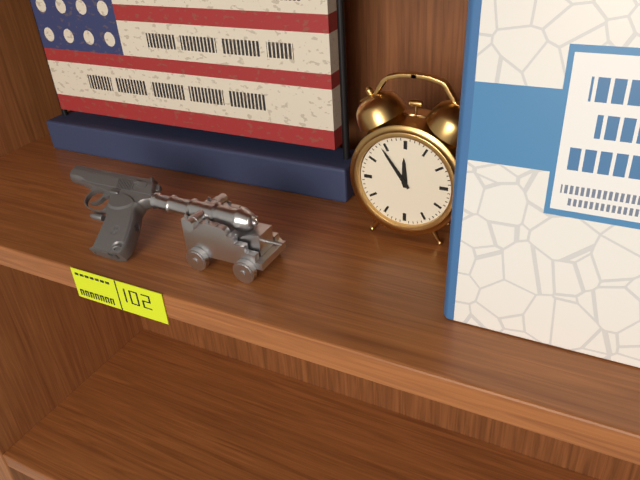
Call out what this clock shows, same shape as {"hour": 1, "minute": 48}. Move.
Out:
{"hour": 11, "minute": 54}
